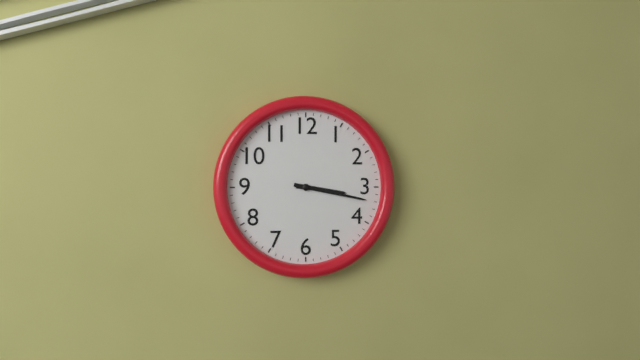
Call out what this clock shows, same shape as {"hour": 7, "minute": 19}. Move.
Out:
{"hour": 3, "minute": 17}
